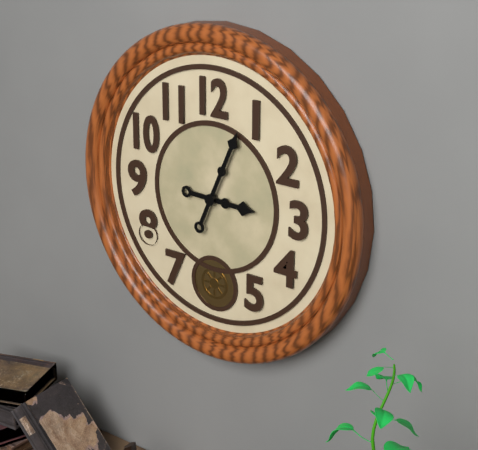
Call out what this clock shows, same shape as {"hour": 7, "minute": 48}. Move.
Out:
{"hour": 3, "minute": 4}
